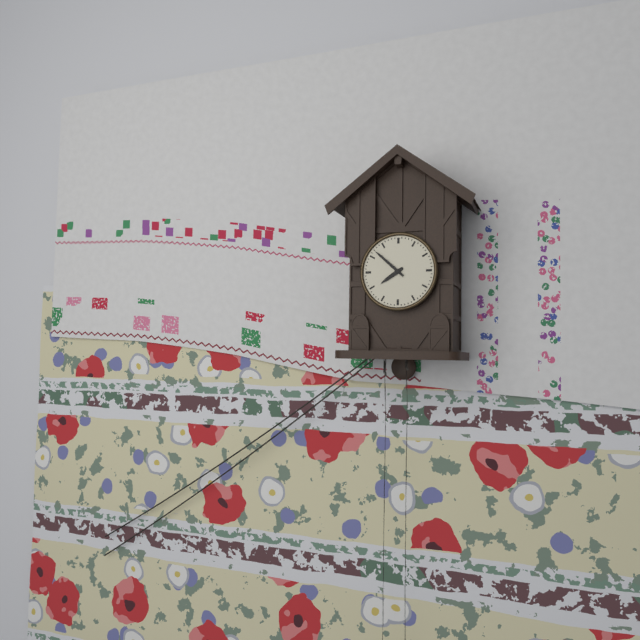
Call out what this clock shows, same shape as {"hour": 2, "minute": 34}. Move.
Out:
{"hour": 7, "minute": 52}
